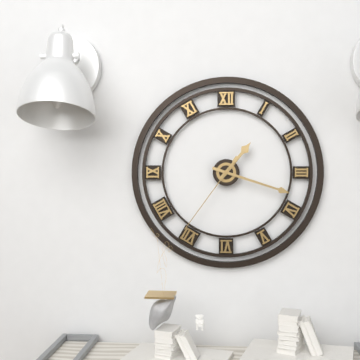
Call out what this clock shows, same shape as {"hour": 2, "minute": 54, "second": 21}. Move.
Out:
{"hour": 1, "minute": 18, "second": 36}
